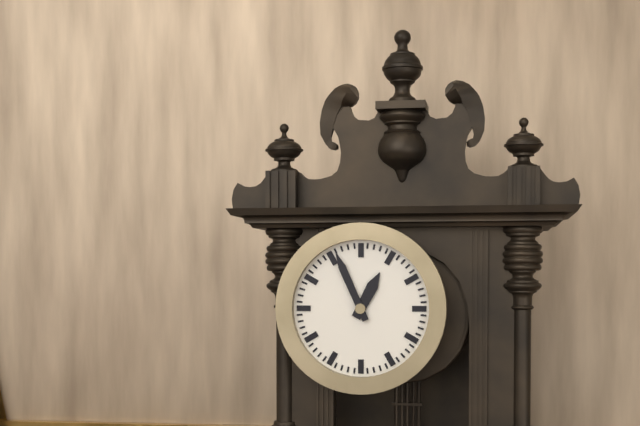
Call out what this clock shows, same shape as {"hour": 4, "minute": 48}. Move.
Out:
{"hour": 12, "minute": 56}
